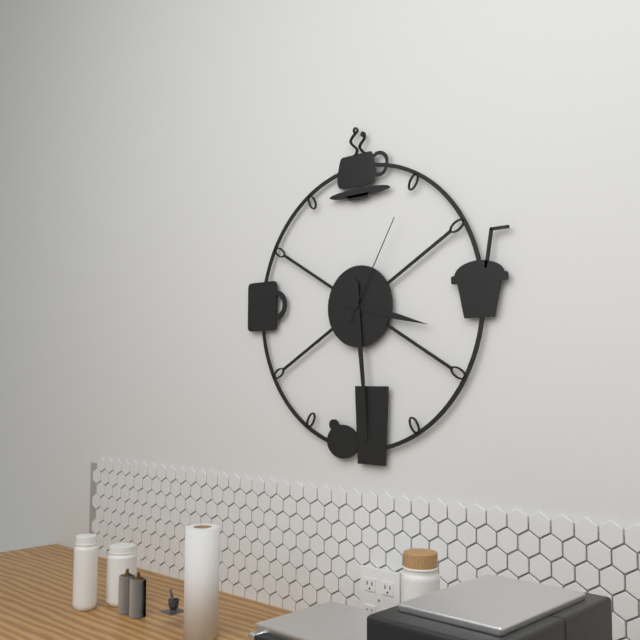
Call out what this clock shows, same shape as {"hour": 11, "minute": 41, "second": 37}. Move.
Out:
{"hour": 3, "minute": 29, "second": 5}
